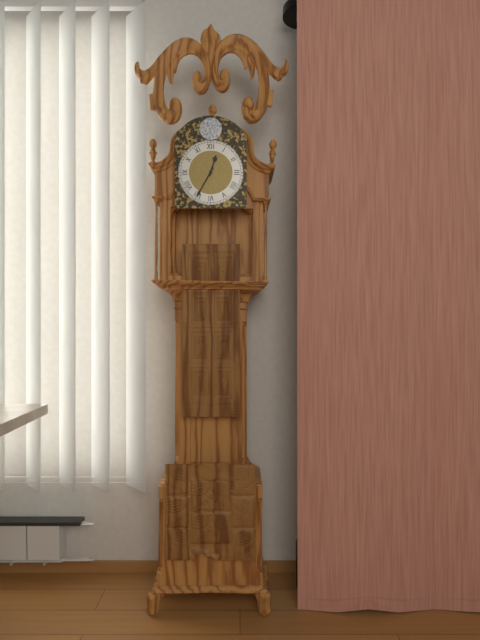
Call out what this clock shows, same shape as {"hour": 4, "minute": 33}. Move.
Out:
{"hour": 12, "minute": 35}
